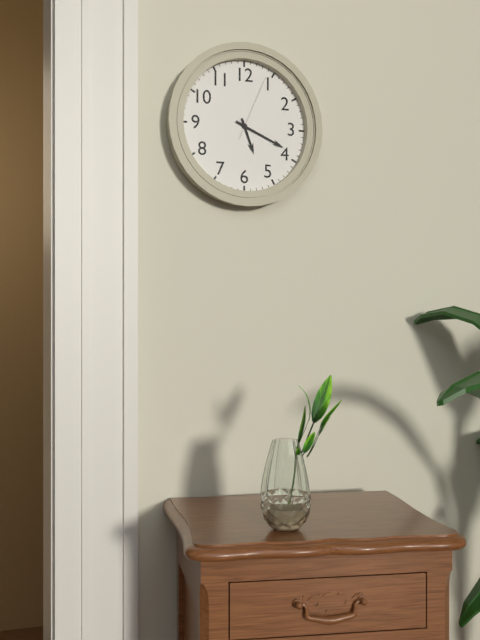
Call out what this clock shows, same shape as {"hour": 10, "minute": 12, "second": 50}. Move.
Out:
{"hour": 5, "minute": 19, "second": 4}
